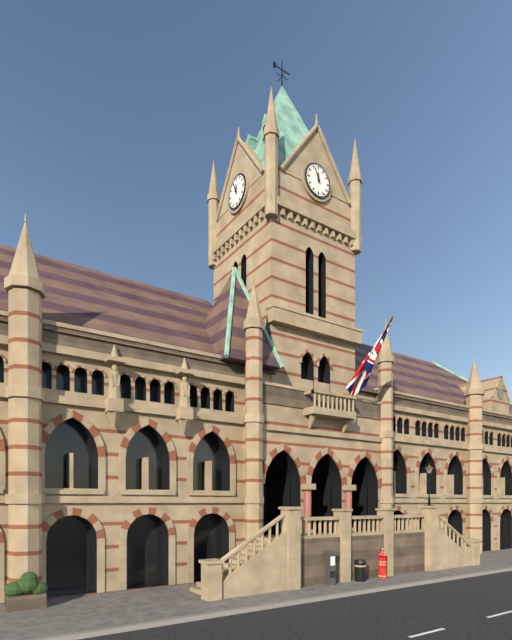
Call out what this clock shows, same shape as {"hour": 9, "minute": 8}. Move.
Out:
{"hour": 11, "minute": 56}
